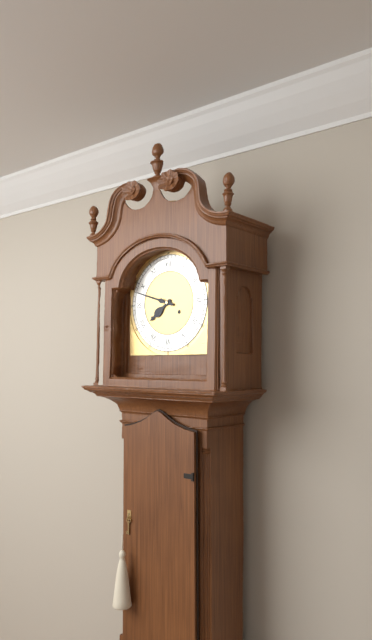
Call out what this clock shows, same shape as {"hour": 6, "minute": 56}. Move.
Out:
{"hour": 7, "minute": 48}
